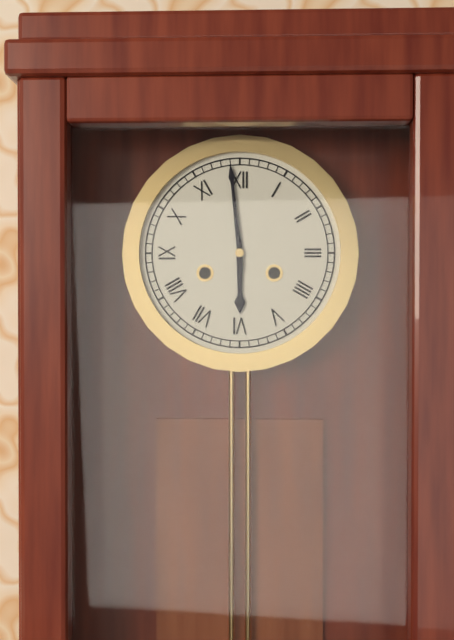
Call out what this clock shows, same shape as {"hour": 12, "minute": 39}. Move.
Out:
{"hour": 5, "minute": 59}
